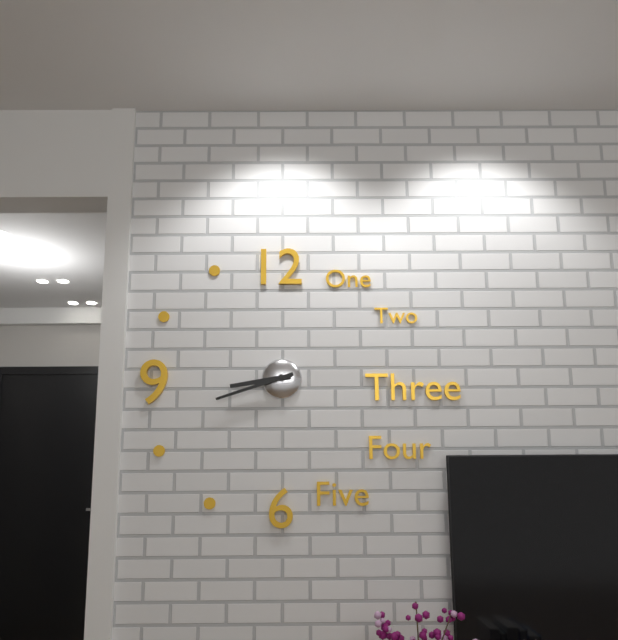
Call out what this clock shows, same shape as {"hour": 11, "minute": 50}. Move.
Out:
{"hour": 8, "minute": 42}
